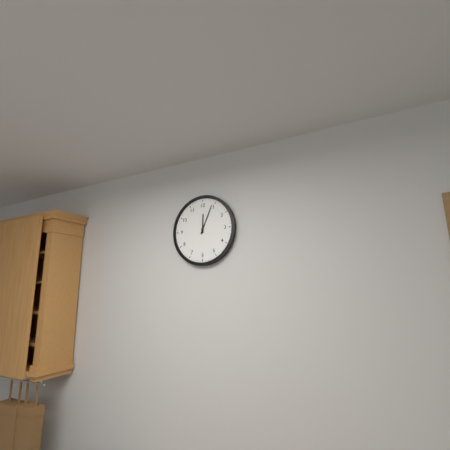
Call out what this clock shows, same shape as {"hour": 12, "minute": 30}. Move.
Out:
{"hour": 12, "minute": 4}
